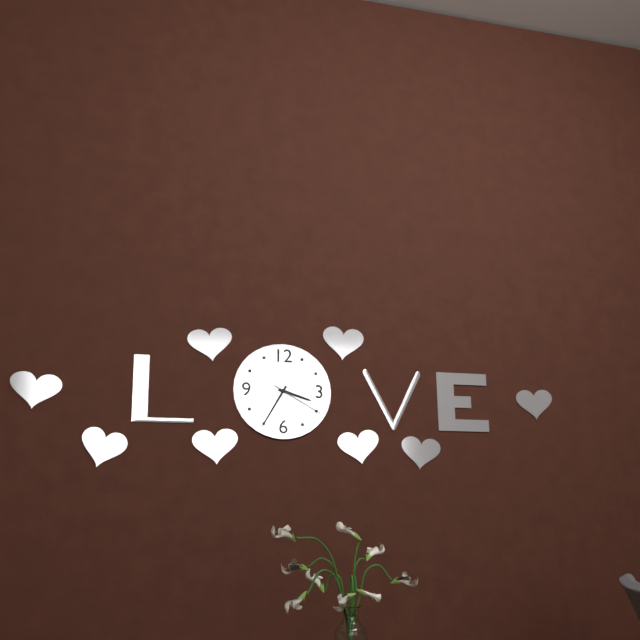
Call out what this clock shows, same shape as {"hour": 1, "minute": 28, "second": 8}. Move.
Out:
{"hour": 3, "minute": 35, "second": 20}
